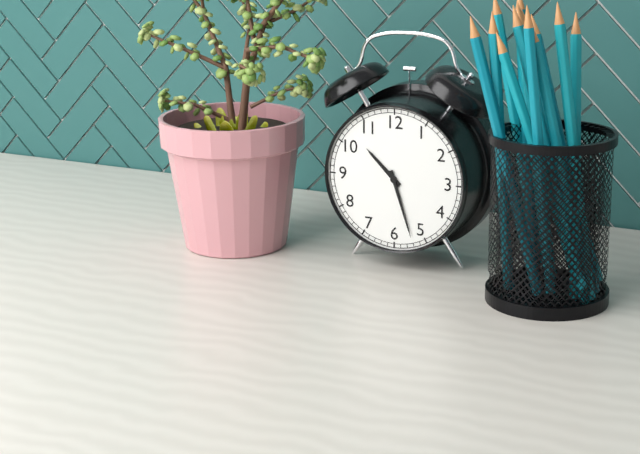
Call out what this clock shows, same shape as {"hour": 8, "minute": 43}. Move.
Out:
{"hour": 10, "minute": 27}
